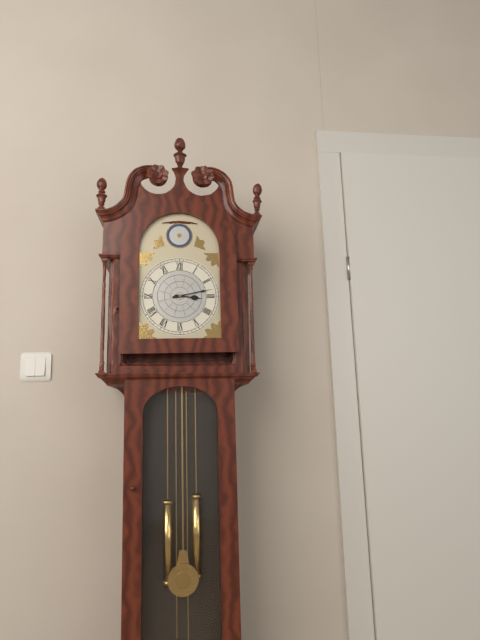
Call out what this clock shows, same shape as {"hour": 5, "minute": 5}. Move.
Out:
{"hour": 3, "minute": 13}
